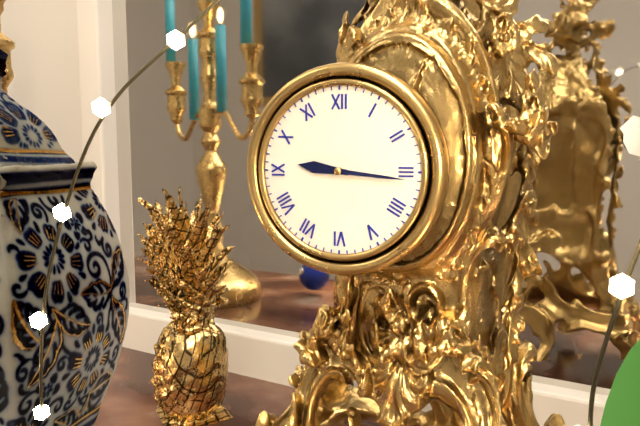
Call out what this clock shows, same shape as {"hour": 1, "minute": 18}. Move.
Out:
{"hour": 9, "minute": 16}
